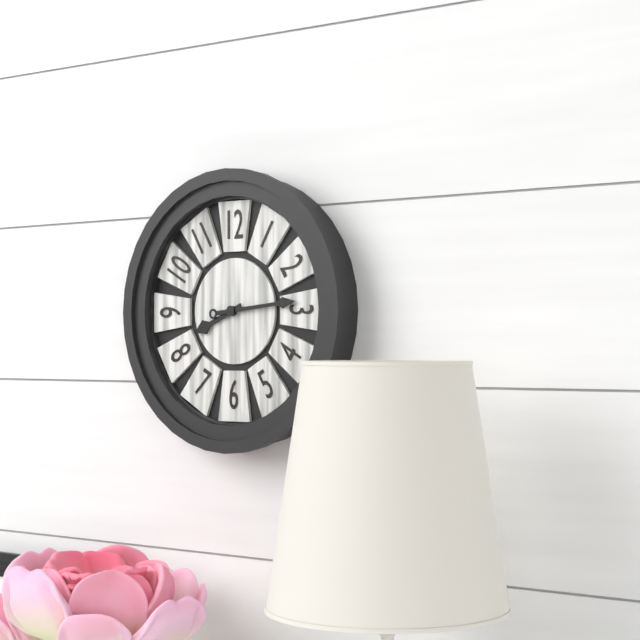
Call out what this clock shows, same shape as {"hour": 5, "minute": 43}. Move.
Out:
{"hour": 8, "minute": 14}
